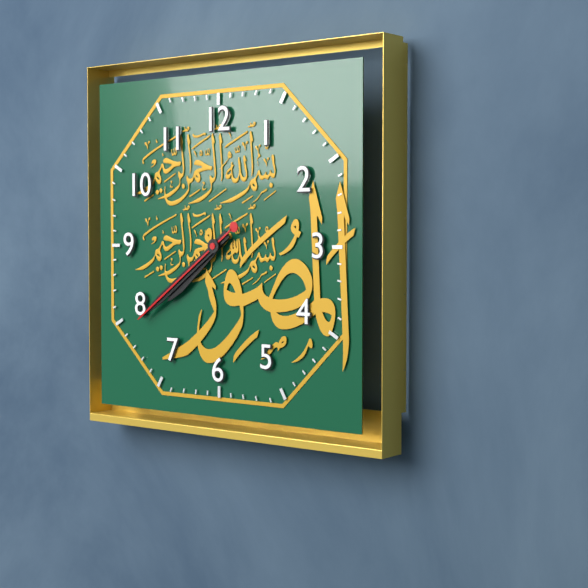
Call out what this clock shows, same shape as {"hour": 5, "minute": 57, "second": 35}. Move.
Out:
{"hour": 7, "minute": 39, "second": 39}
